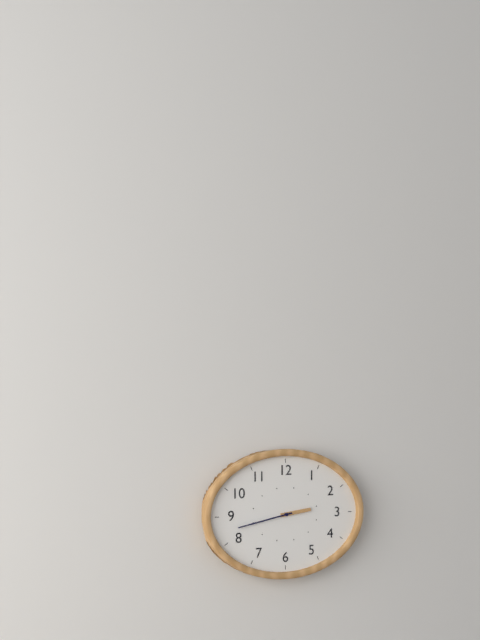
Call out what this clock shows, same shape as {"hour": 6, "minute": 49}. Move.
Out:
{"hour": 2, "minute": 43}
